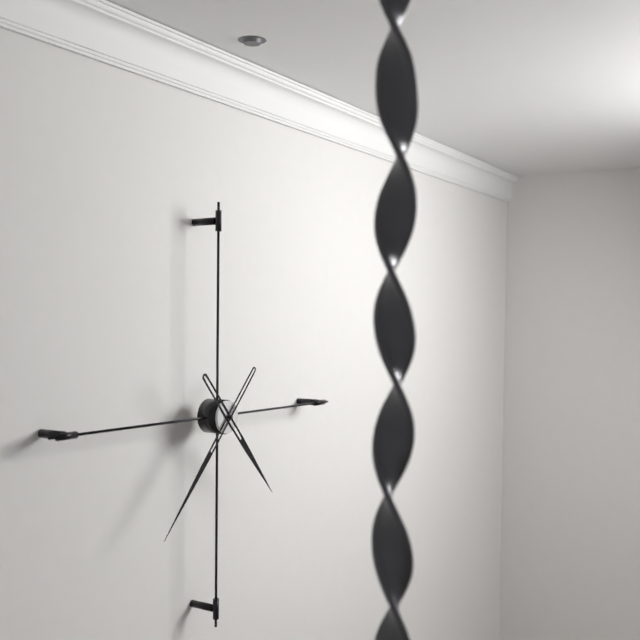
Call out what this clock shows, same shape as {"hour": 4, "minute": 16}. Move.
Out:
{"hour": 4, "minute": 37}
